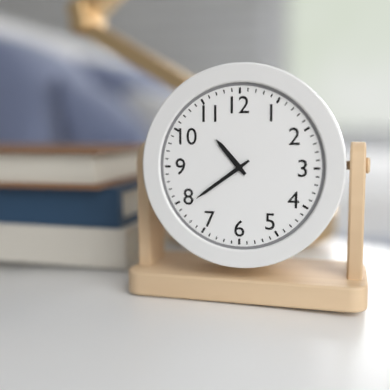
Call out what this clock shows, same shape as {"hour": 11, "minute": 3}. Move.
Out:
{"hour": 10, "minute": 39}
